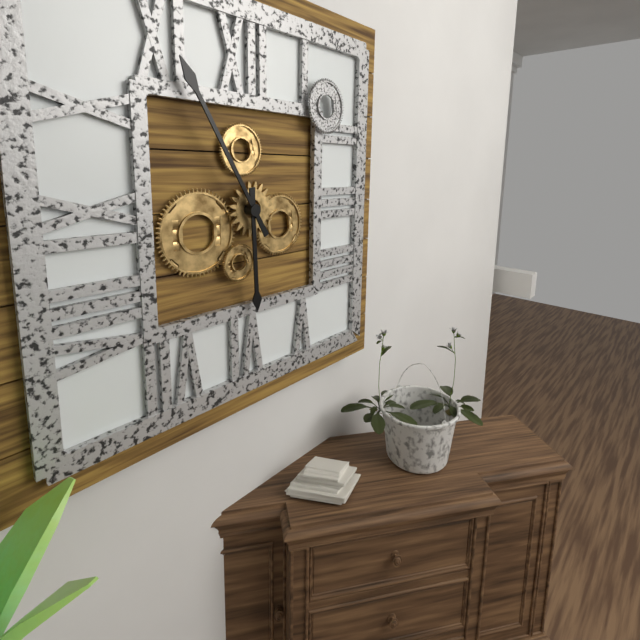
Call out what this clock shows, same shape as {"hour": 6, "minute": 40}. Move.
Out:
{"hour": 5, "minute": 55}
